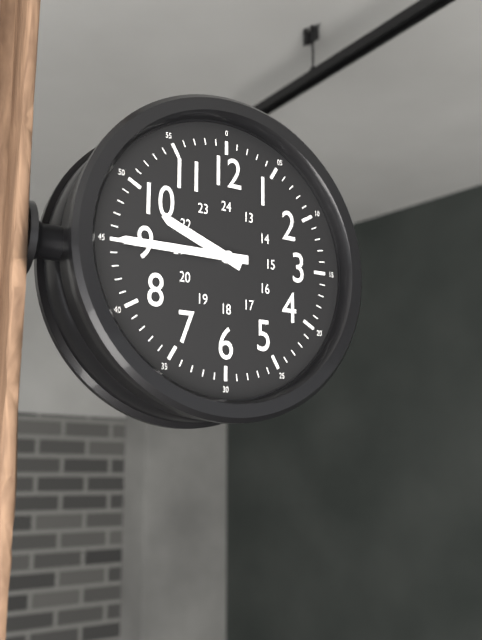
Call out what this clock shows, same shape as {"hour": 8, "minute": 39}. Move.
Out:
{"hour": 9, "minute": 45}
